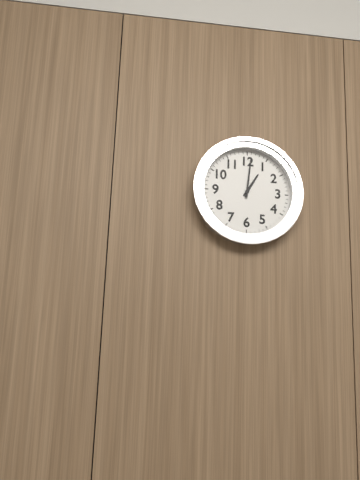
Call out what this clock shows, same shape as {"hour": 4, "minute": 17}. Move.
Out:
{"hour": 1, "minute": 1}
